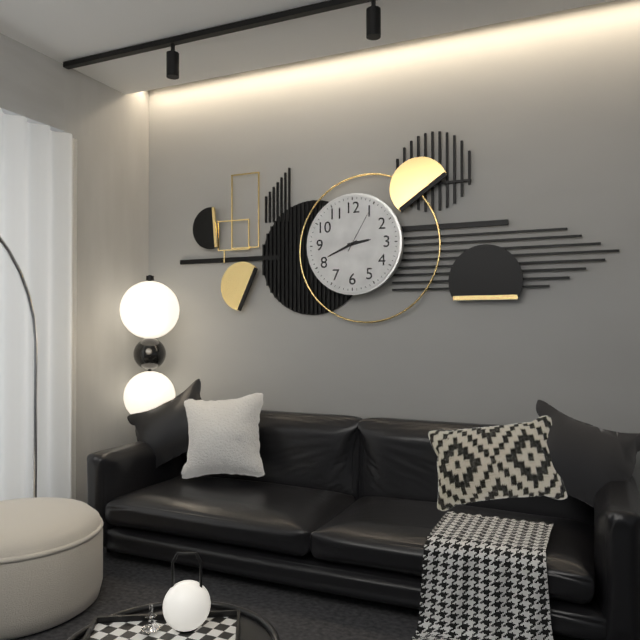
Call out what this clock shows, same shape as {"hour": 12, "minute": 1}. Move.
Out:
{"hour": 2, "minute": 41}
